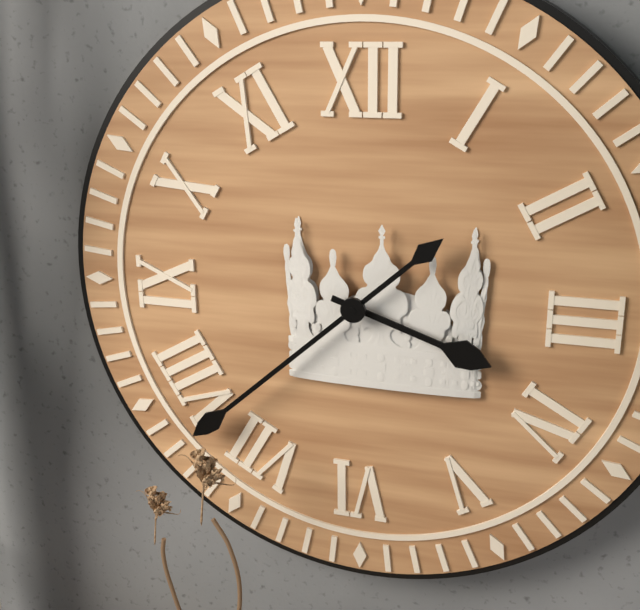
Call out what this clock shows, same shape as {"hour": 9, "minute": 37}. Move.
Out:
{"hour": 3, "minute": 38}
